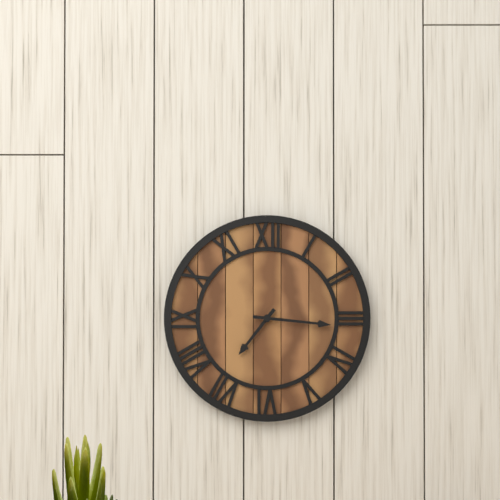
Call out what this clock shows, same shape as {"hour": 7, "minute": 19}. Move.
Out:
{"hour": 7, "minute": 16}
